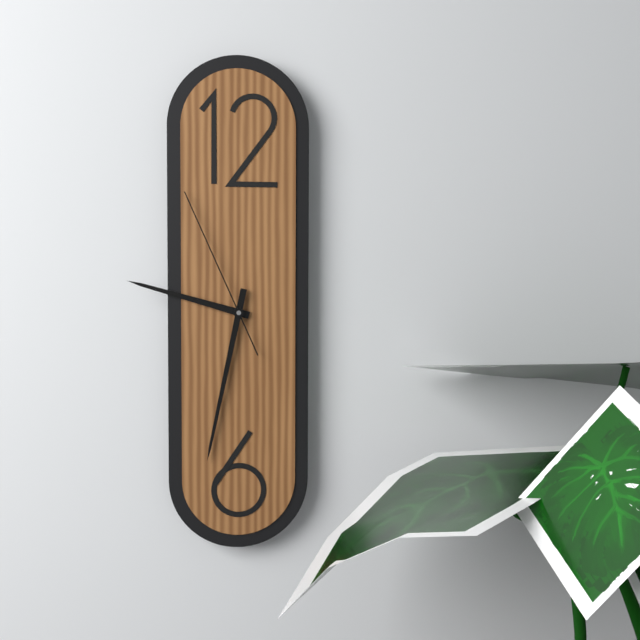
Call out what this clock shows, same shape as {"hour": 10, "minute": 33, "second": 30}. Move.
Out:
{"hour": 9, "minute": 32, "second": 56}
